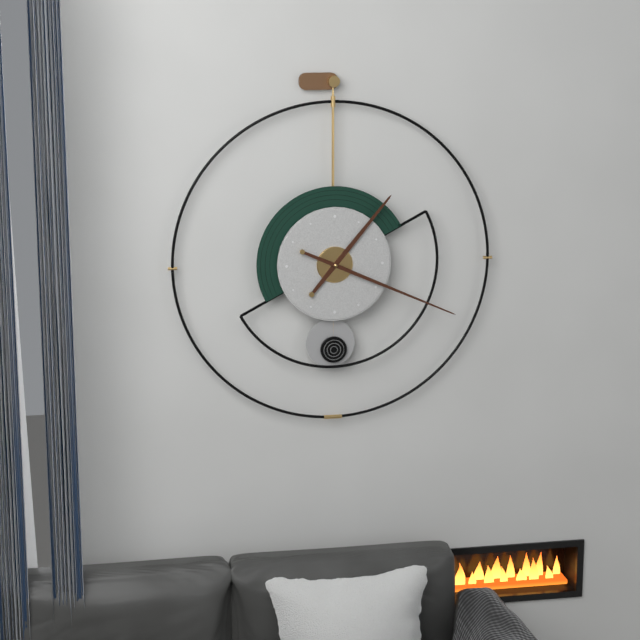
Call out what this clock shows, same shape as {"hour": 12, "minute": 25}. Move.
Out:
{"hour": 1, "minute": 19}
